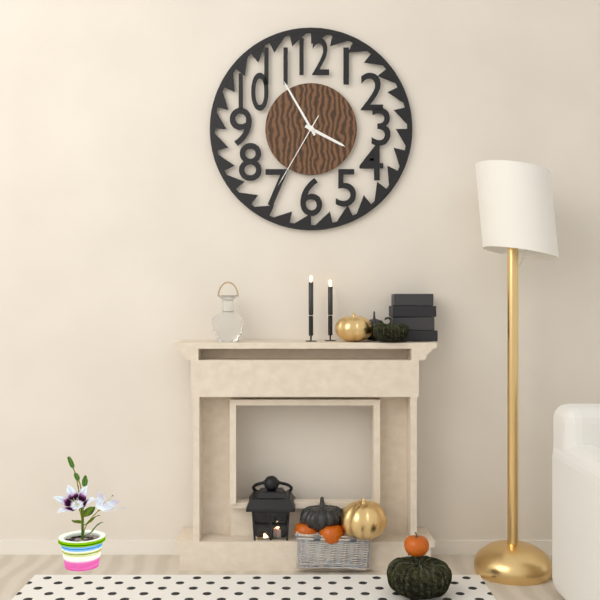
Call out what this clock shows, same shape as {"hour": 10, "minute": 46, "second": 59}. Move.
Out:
{"hour": 3, "minute": 55, "second": 35}
